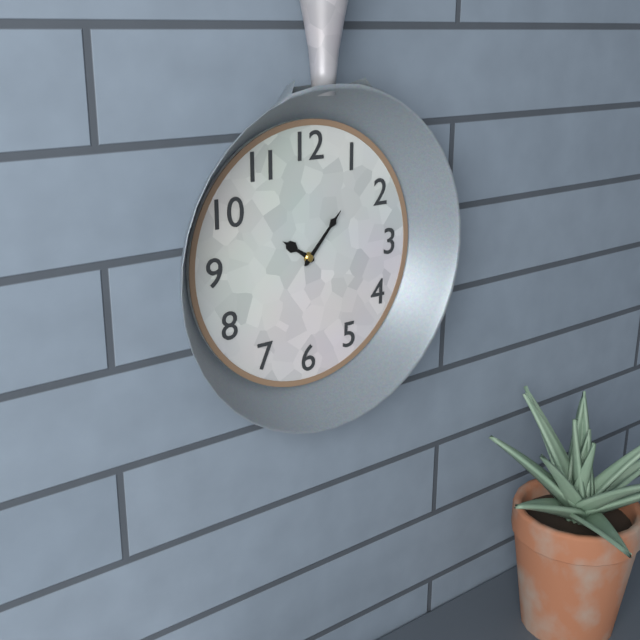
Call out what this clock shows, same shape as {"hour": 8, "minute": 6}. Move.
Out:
{"hour": 10, "minute": 7}
